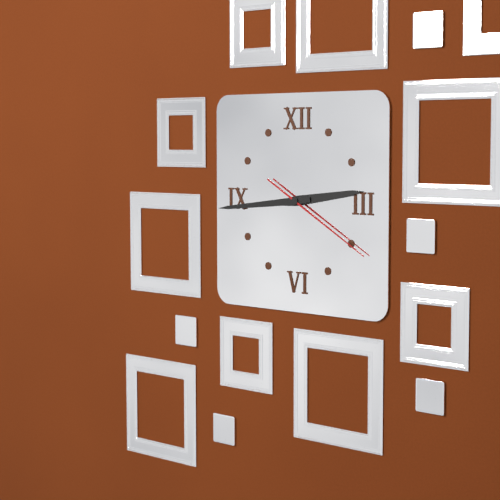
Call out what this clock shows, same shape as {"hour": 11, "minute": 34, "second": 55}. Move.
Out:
{"hour": 2, "minute": 44, "second": 20}
